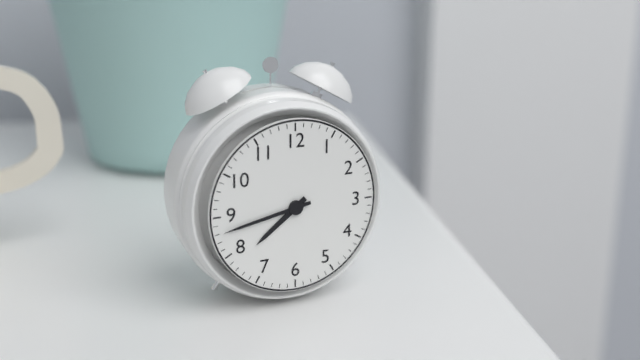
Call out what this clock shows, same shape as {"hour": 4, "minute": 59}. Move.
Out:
{"hour": 7, "minute": 43}
